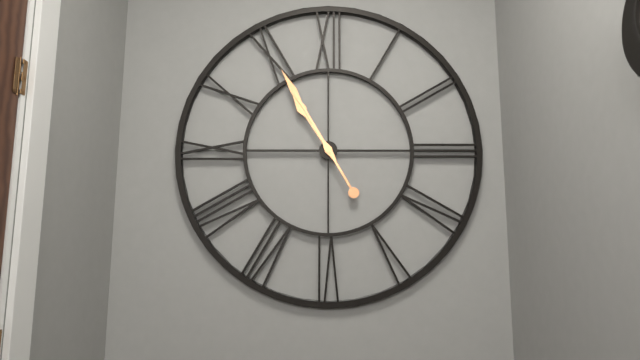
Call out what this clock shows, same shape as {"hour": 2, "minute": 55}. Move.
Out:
{"hour": 10, "minute": 55}
